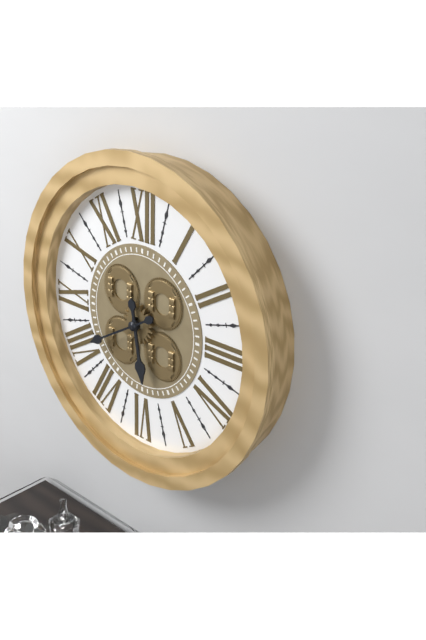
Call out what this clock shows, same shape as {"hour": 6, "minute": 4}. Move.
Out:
{"hour": 5, "minute": 40}
